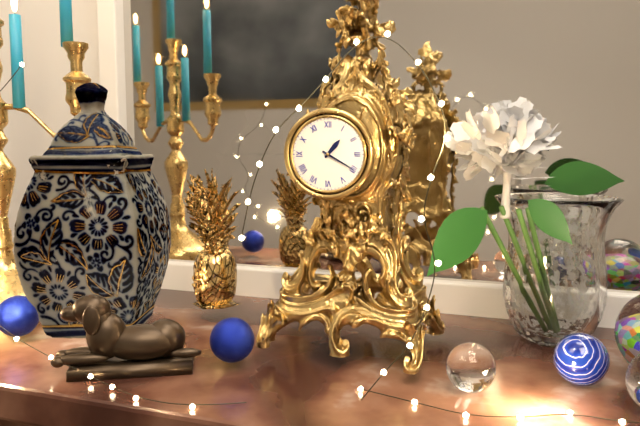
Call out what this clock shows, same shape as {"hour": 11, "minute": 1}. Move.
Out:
{"hour": 1, "minute": 20}
